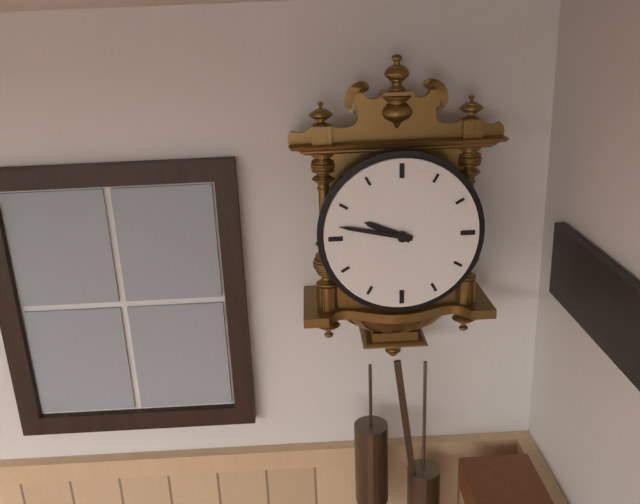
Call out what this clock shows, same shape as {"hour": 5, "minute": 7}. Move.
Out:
{"hour": 9, "minute": 47}
